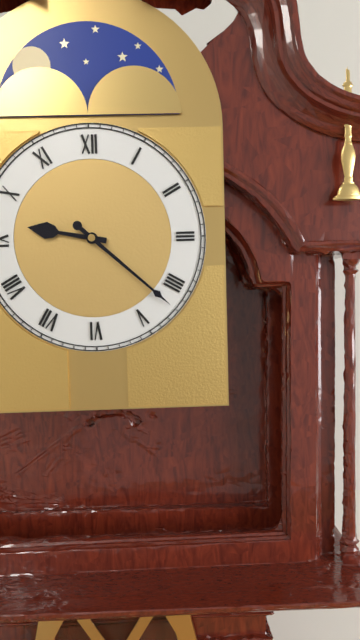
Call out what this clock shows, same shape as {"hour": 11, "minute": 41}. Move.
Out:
{"hour": 9, "minute": 22}
